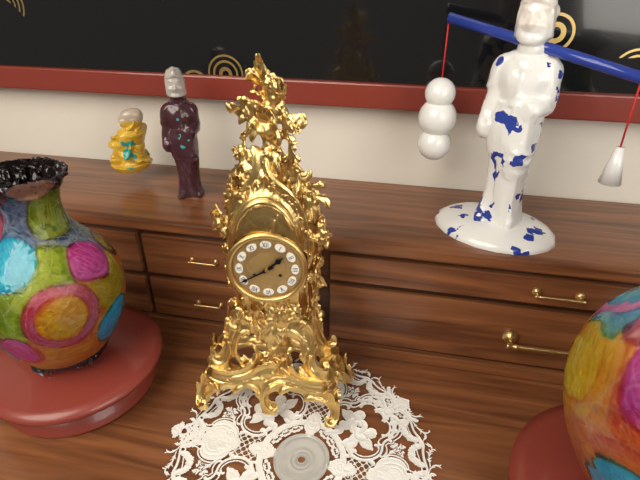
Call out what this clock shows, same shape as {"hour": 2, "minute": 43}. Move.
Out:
{"hour": 1, "minute": 40}
